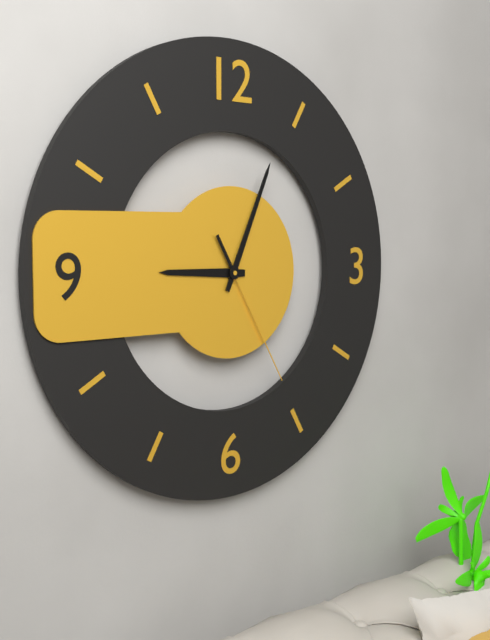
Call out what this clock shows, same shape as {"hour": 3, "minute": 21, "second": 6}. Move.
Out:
{"hour": 9, "minute": 4, "second": 25}
